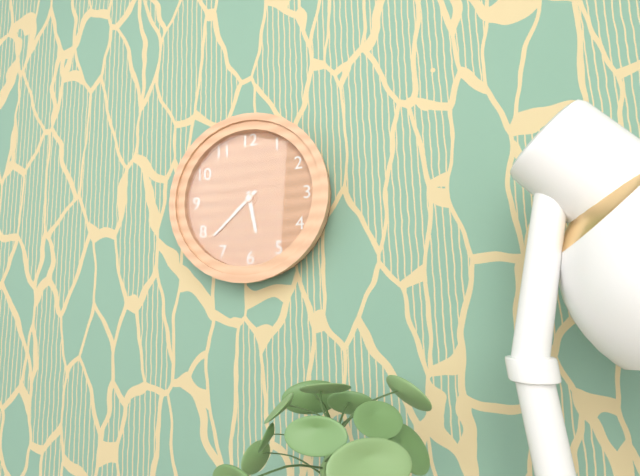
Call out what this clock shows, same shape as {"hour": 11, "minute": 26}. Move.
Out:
{"hour": 5, "minute": 38}
